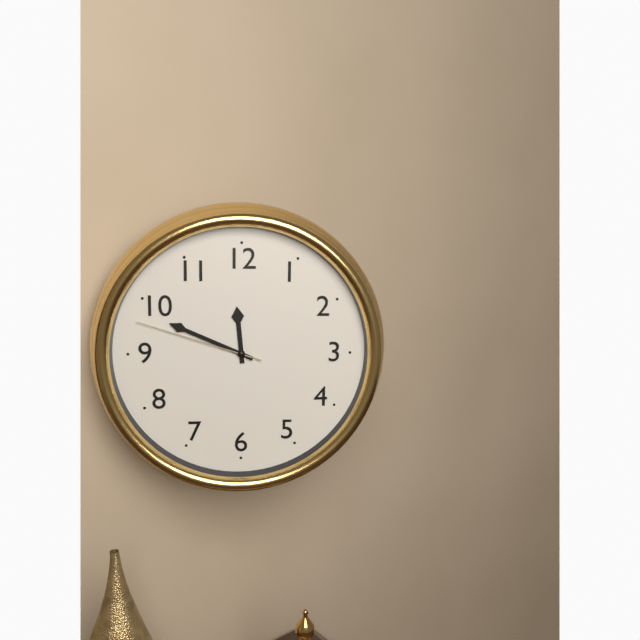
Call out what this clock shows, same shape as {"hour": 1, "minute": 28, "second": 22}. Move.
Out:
{"hour": 11, "minute": 49, "second": 48}
